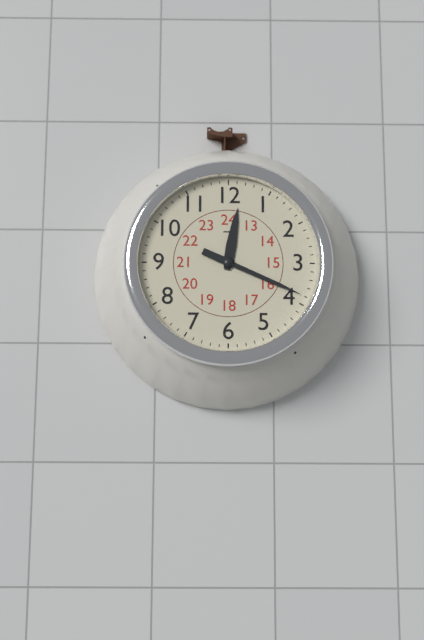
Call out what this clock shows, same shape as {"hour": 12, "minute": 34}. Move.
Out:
{"hour": 12, "minute": 19}
